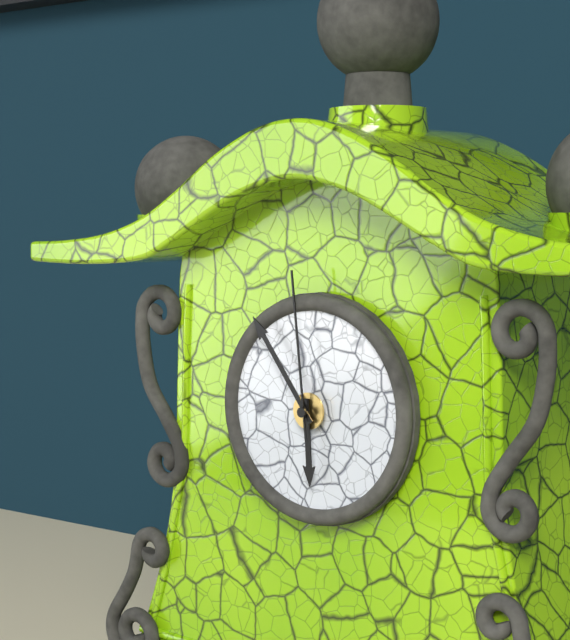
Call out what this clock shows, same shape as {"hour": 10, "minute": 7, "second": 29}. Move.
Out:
{"hour": 5, "minute": 54, "second": 59}
